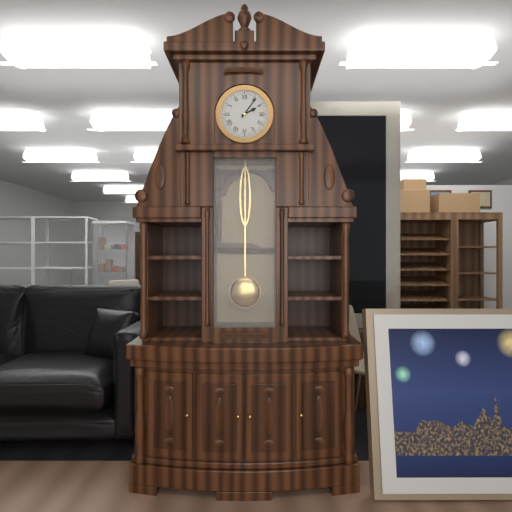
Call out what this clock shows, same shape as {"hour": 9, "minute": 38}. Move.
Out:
{"hour": 2, "minute": 6}
